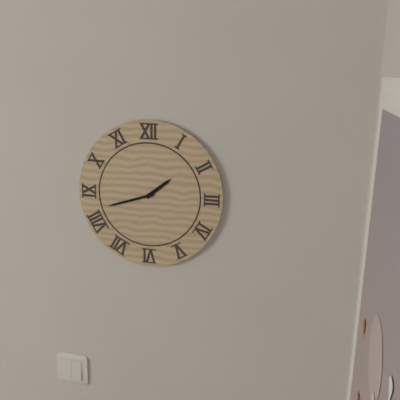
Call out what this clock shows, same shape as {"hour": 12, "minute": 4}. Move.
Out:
{"hour": 1, "minute": 42}
